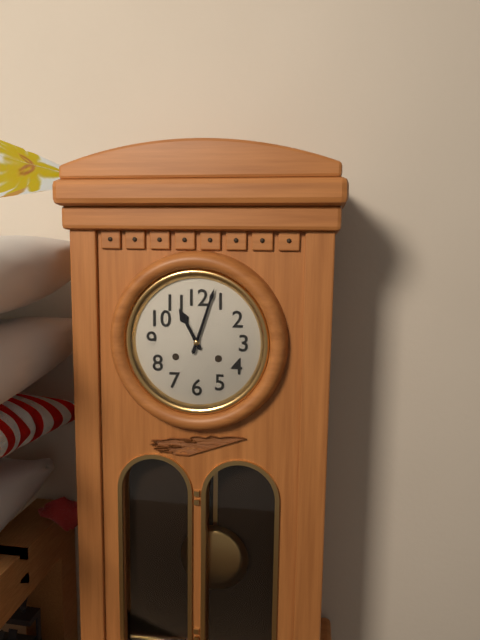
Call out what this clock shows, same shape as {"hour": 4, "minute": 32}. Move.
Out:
{"hour": 11, "minute": 3}
